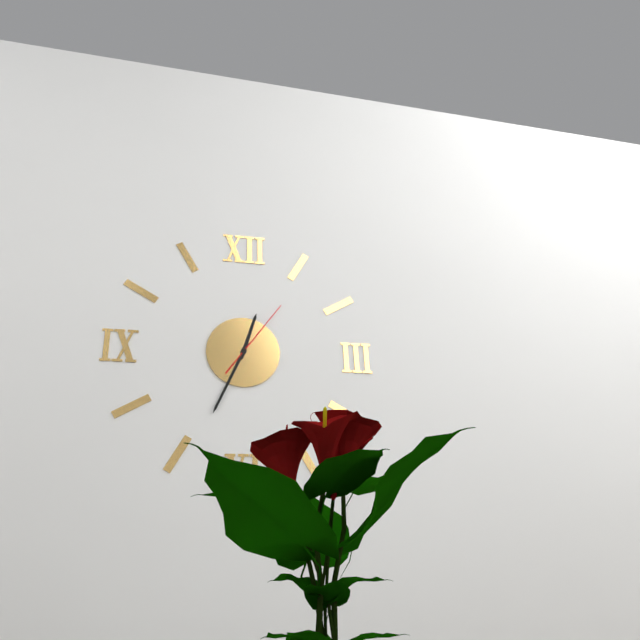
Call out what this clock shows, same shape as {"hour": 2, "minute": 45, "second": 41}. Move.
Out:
{"hour": 12, "minute": 34, "second": 6}
